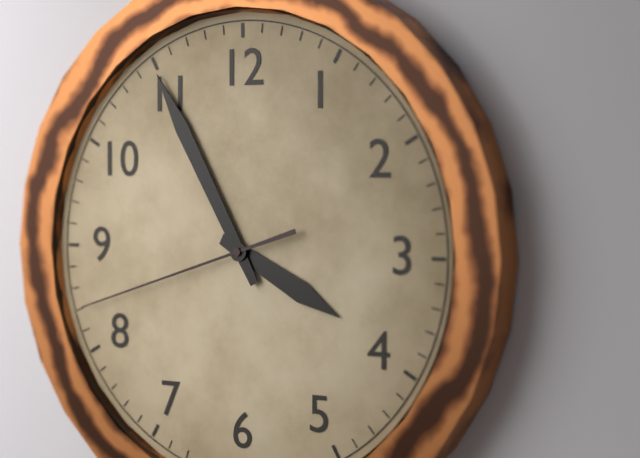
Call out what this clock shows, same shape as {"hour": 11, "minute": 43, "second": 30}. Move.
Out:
{"hour": 3, "minute": 55, "second": 42}
